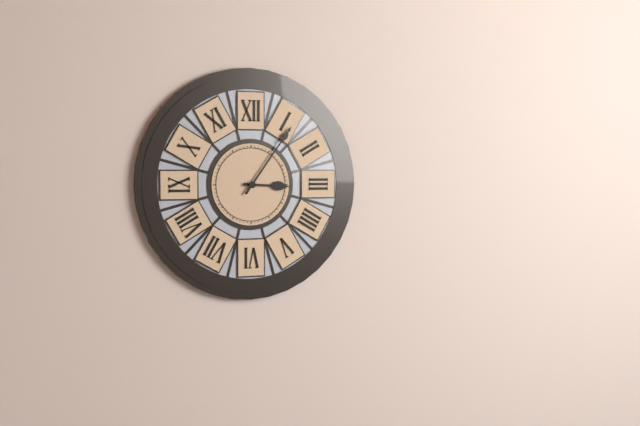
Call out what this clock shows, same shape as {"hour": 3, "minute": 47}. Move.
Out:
{"hour": 3, "minute": 6}
